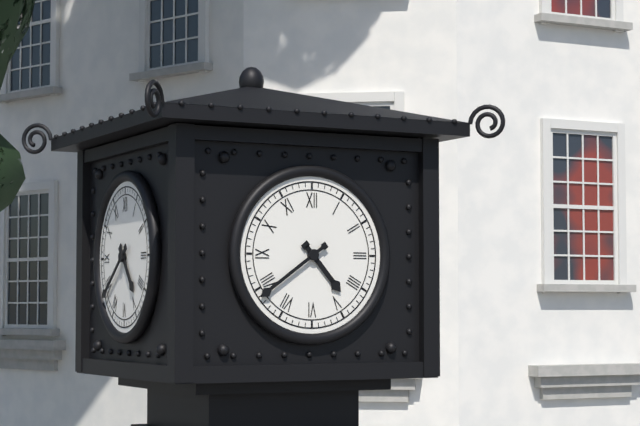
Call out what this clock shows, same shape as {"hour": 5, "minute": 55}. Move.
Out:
{"hour": 4, "minute": 39}
